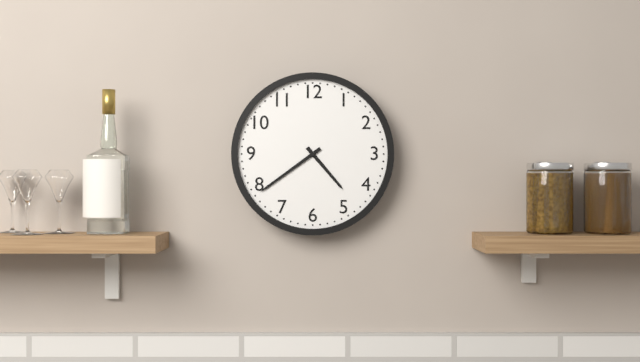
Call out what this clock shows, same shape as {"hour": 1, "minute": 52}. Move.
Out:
{"hour": 4, "minute": 39}
